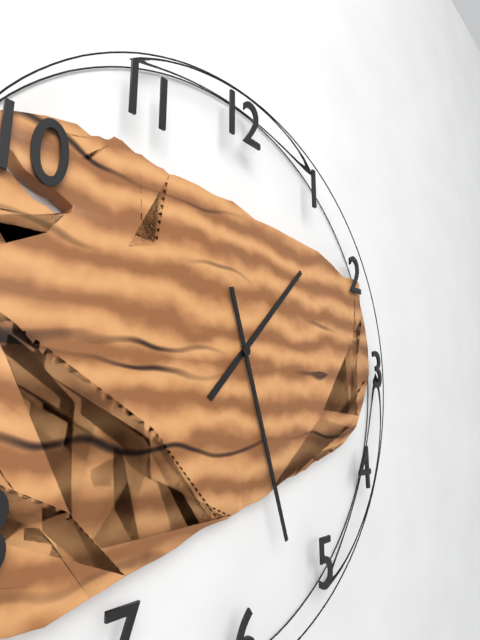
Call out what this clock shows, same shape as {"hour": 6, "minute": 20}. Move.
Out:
{"hour": 1, "minute": 27}
